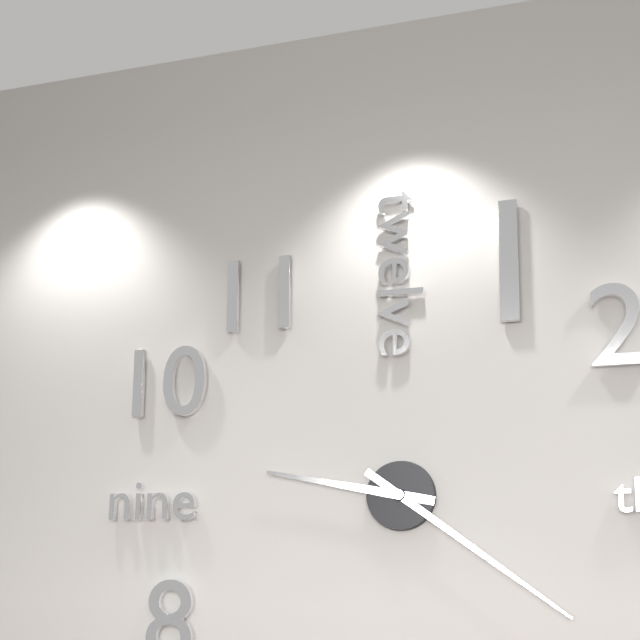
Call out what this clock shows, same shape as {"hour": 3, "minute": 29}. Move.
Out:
{"hour": 9, "minute": 21}
